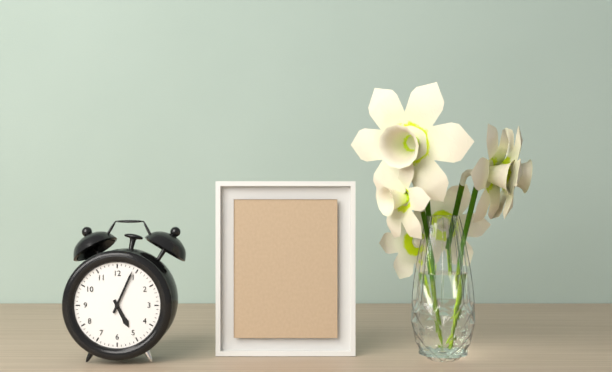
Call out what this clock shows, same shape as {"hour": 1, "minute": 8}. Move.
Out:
{"hour": 5, "minute": 4}
